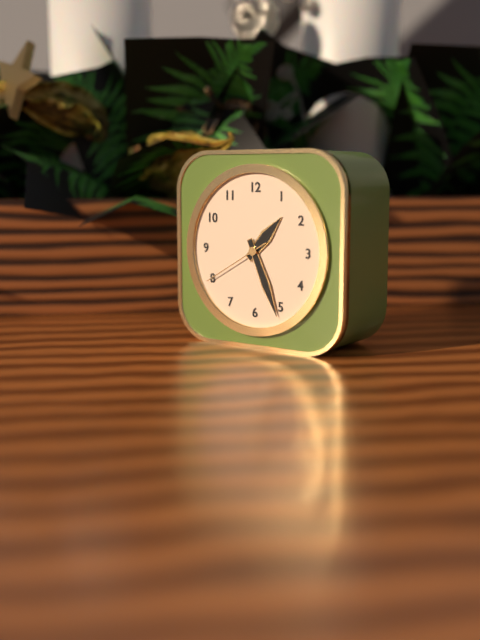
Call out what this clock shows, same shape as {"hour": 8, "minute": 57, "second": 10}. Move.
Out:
{"hour": 1, "minute": 26, "second": 40}
